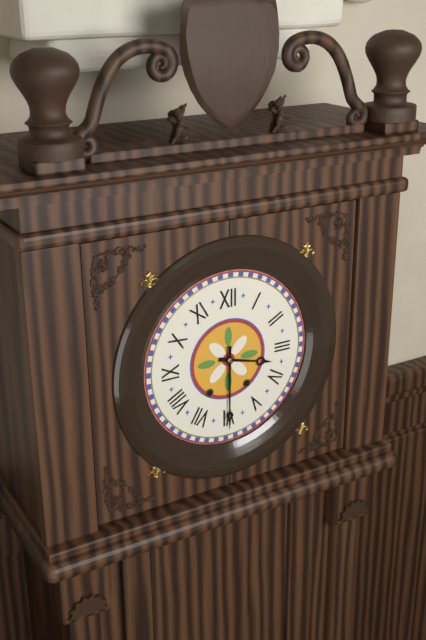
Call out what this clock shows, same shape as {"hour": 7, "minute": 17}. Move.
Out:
{"hour": 3, "minute": 30}
